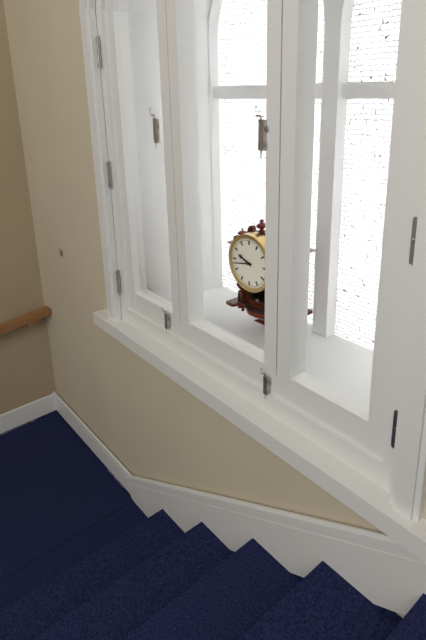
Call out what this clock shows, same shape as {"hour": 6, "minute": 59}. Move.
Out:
{"hour": 9, "minute": 43}
